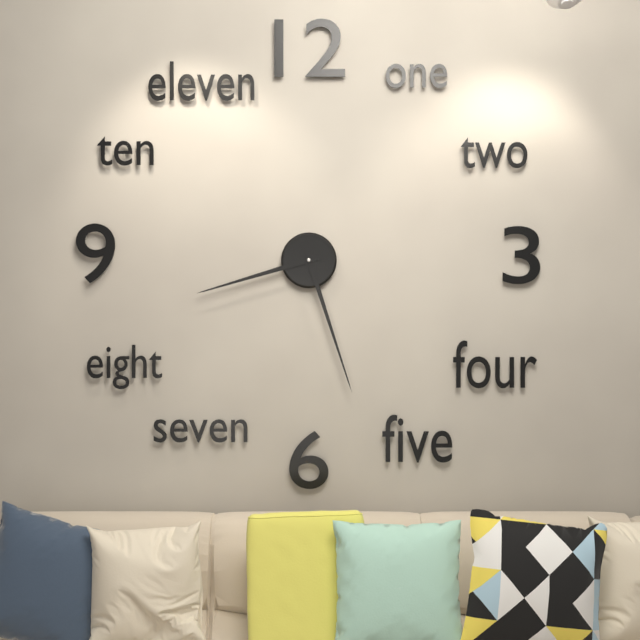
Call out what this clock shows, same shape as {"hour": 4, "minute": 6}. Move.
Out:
{"hour": 8, "minute": 27}
